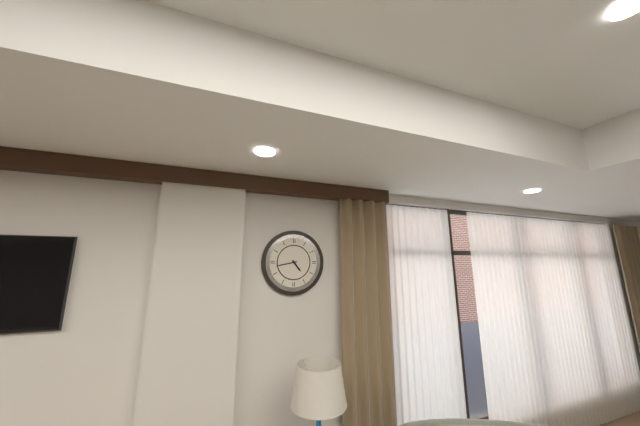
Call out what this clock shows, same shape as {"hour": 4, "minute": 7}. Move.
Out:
{"hour": 4, "minute": 43}
